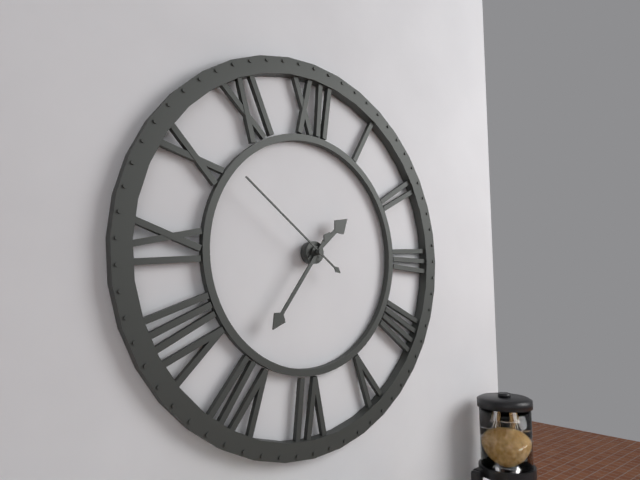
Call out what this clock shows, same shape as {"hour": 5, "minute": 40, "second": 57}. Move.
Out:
{"hour": 1, "minute": 36, "second": 51}
